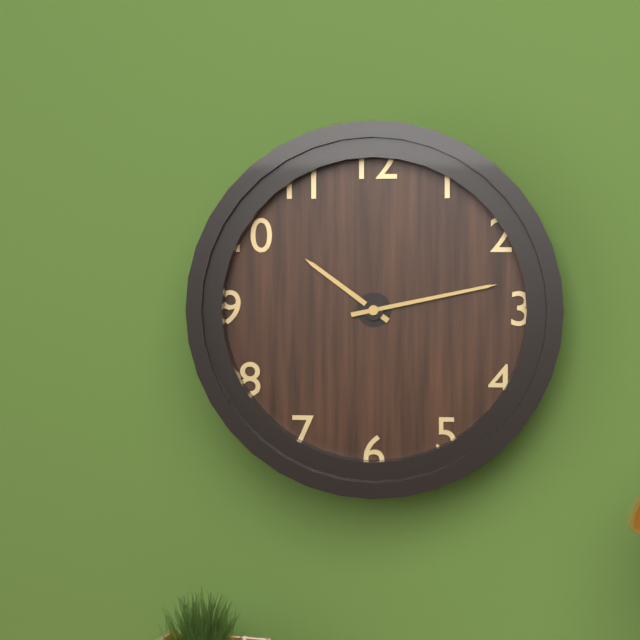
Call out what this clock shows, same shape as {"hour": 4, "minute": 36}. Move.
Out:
{"hour": 10, "minute": 13}
